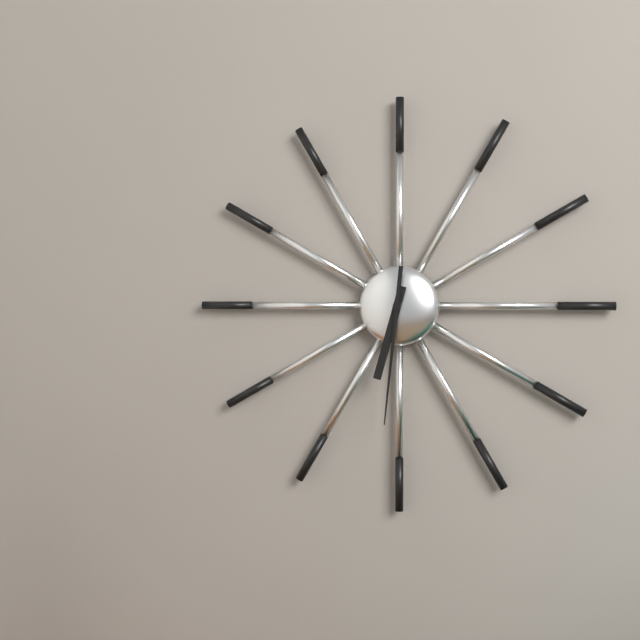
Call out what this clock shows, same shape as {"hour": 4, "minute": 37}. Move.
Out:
{"hour": 6, "minute": 31}
